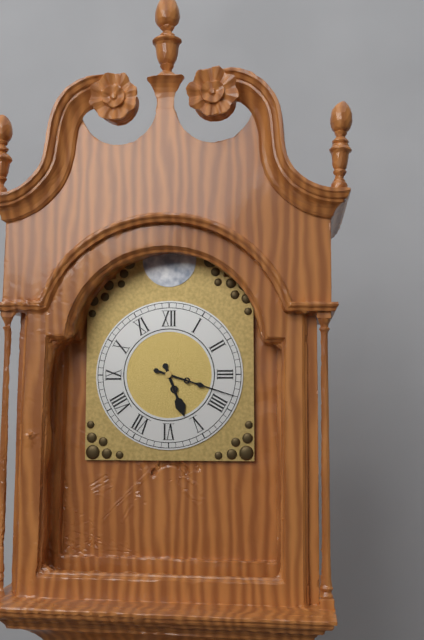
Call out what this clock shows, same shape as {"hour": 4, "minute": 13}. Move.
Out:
{"hour": 5, "minute": 18}
